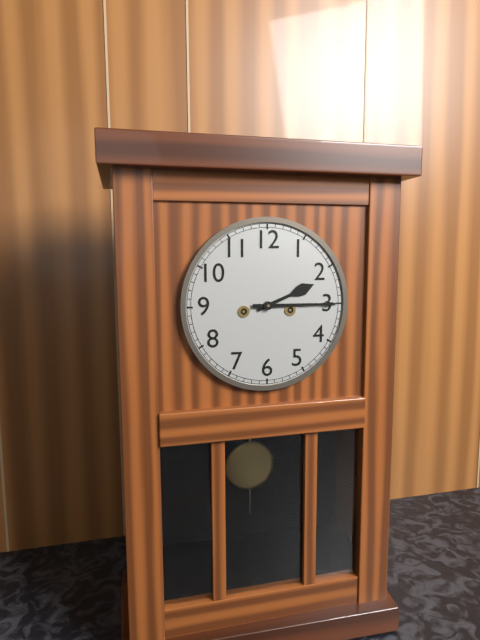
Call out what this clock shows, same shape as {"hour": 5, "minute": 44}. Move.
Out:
{"hour": 2, "minute": 15}
